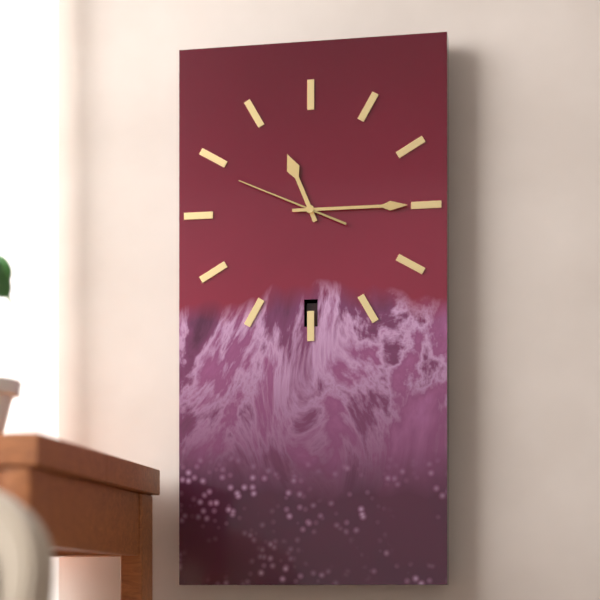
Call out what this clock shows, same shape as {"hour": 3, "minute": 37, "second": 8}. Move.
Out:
{"hour": 11, "minute": 15, "second": 49}
